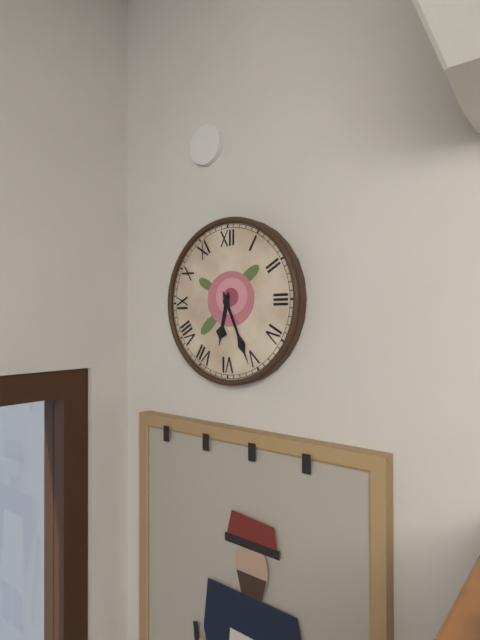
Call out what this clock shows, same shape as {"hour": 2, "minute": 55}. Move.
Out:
{"hour": 6, "minute": 26}
